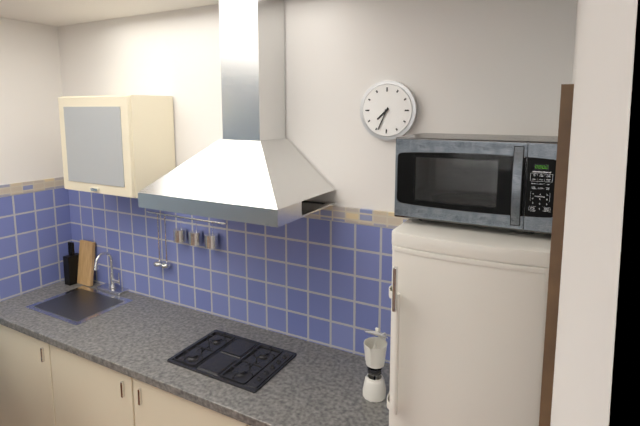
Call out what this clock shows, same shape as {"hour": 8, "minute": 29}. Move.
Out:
{"hour": 7, "minute": 34}
